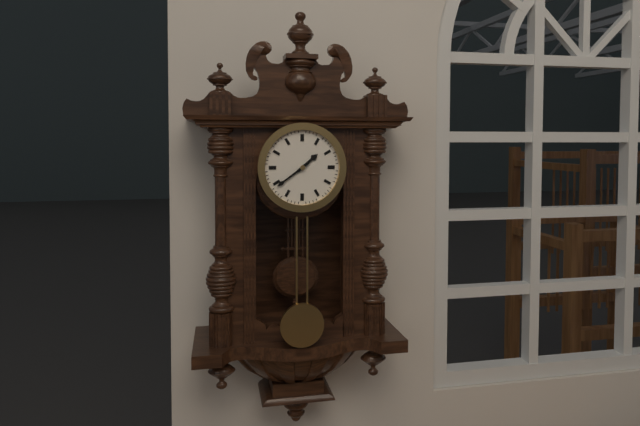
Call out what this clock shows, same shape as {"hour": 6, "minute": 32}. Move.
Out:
{"hour": 1, "minute": 39}
